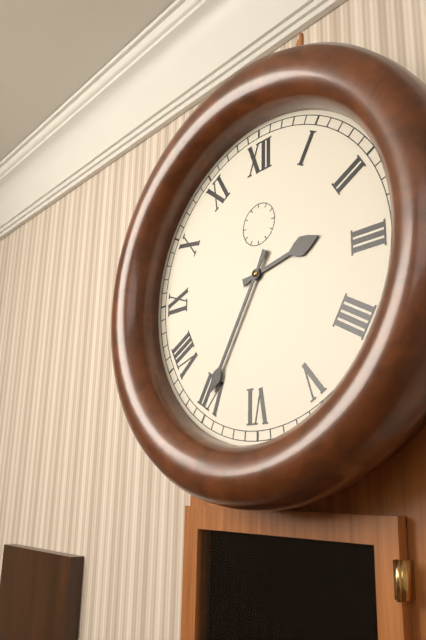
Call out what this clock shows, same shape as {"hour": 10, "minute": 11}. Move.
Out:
{"hour": 2, "minute": 35}
